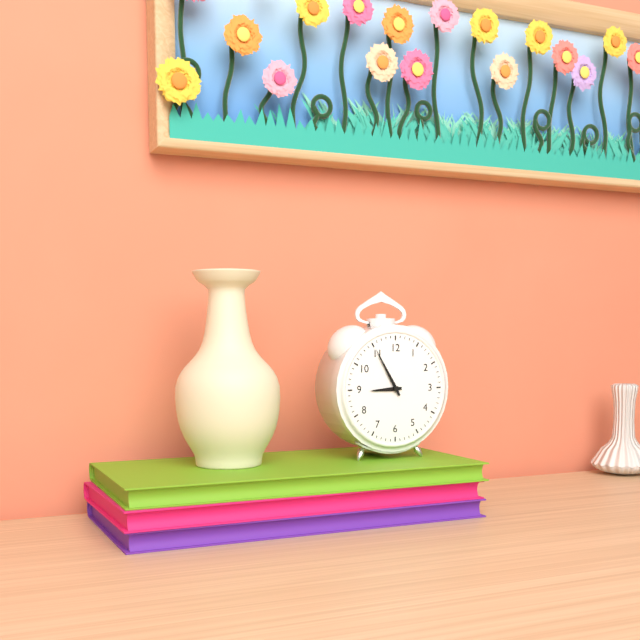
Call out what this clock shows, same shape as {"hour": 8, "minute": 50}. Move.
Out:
{"hour": 8, "minute": 55}
